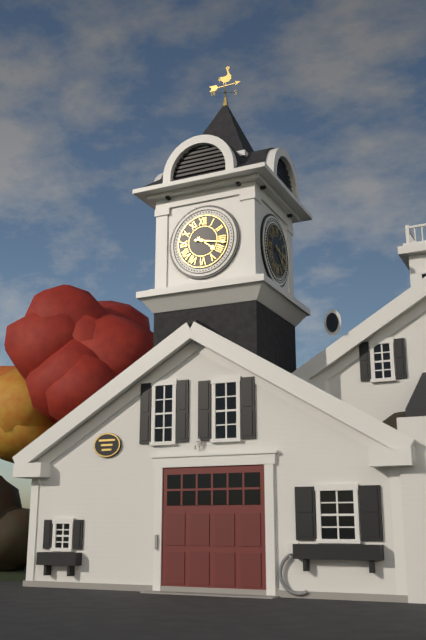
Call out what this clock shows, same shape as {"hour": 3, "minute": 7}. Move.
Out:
{"hour": 4, "minute": 17}
